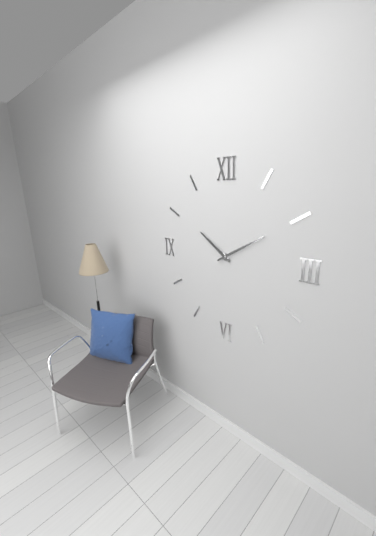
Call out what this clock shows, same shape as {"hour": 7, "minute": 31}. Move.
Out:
{"hour": 10, "minute": 10}
